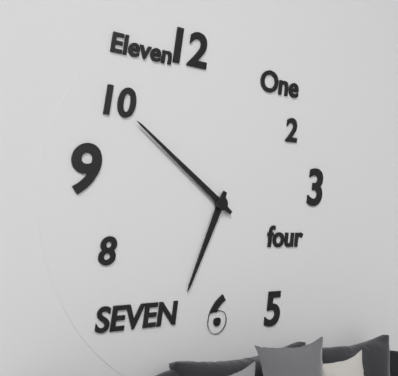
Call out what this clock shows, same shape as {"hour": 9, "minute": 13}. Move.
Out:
{"hour": 6, "minute": 51}
